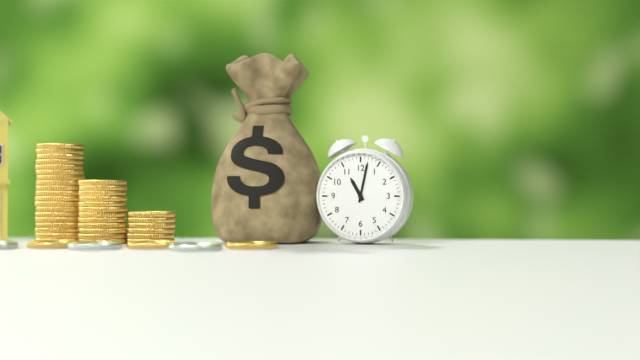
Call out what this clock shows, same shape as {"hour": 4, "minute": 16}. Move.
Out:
{"hour": 11, "minute": 2}
